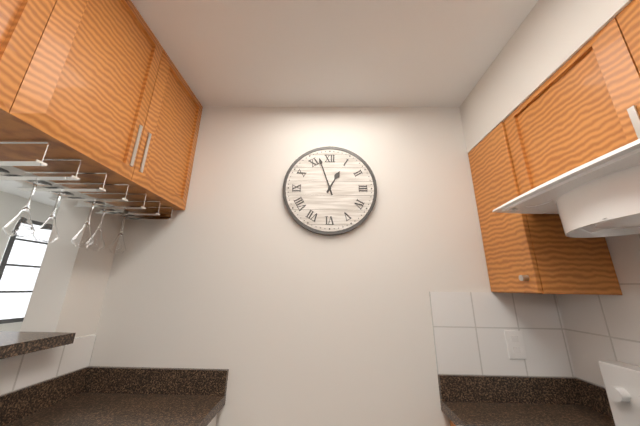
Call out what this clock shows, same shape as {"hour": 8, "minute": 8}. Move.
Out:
{"hour": 12, "minute": 57}
